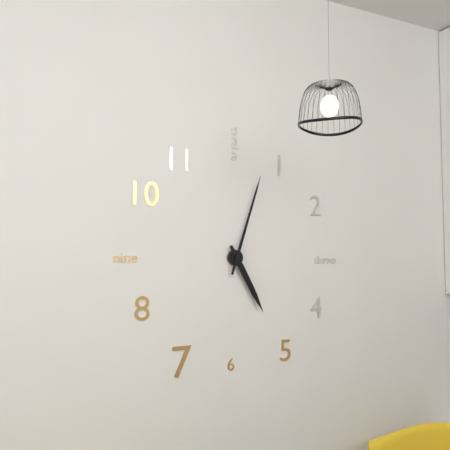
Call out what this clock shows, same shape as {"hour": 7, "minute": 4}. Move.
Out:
{"hour": 5, "minute": 3}
